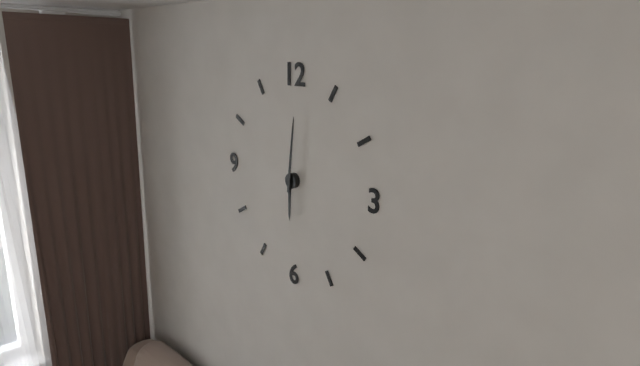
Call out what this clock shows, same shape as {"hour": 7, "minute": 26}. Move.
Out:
{"hour": 6, "minute": 1}
